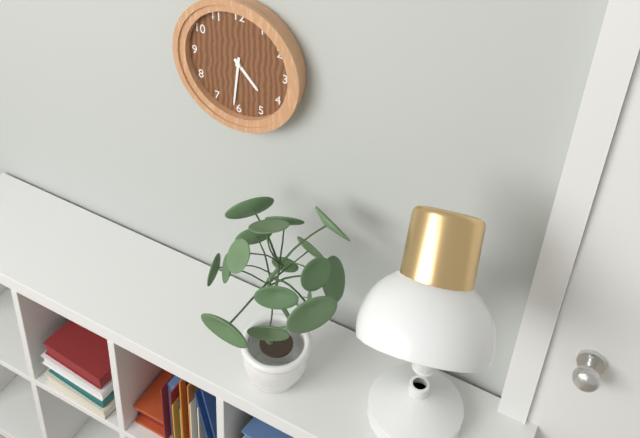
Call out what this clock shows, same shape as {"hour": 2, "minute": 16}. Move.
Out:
{"hour": 4, "minute": 31}
